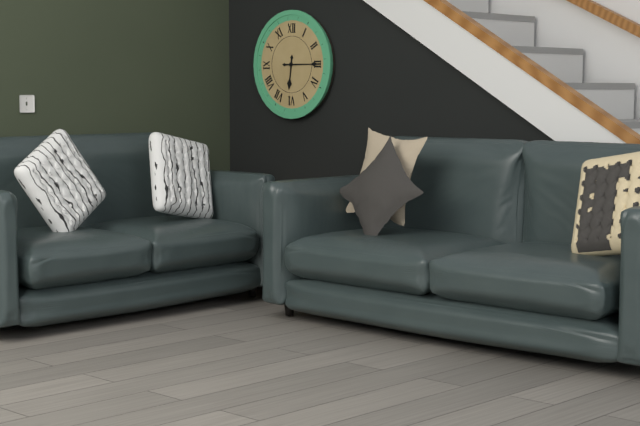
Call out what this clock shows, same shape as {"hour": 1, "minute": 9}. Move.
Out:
{"hour": 6, "minute": 15}
